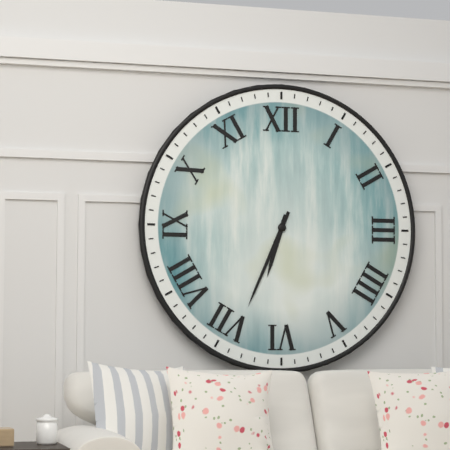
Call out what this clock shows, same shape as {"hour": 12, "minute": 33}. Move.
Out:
{"hour": 6, "minute": 34}
